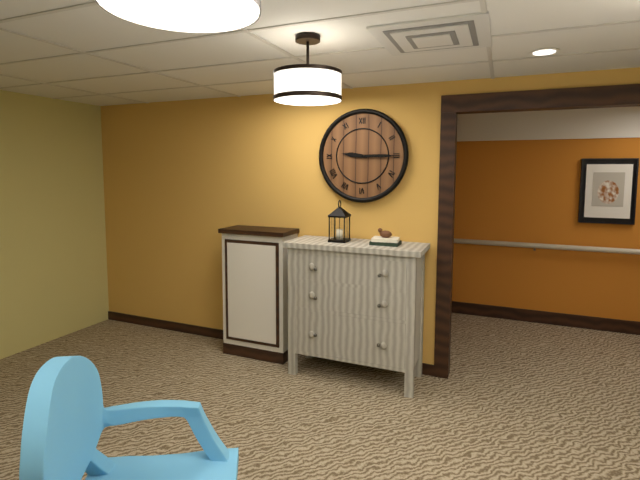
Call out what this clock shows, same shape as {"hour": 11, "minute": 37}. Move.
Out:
{"hour": 9, "minute": 15}
